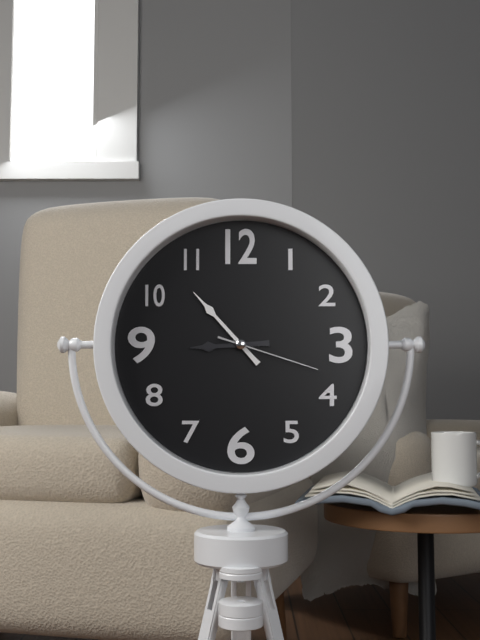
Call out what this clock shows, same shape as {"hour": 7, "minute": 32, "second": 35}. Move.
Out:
{"hour": 8, "minute": 53, "second": 18}
